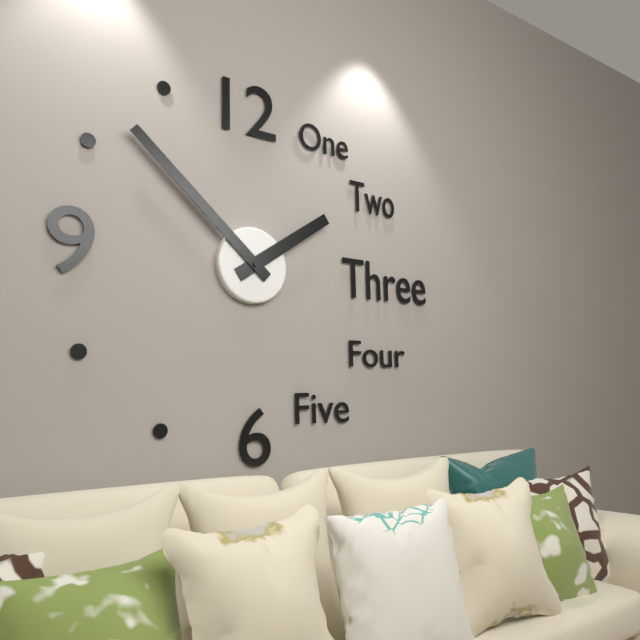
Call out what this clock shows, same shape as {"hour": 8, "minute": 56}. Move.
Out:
{"hour": 1, "minute": 52}
